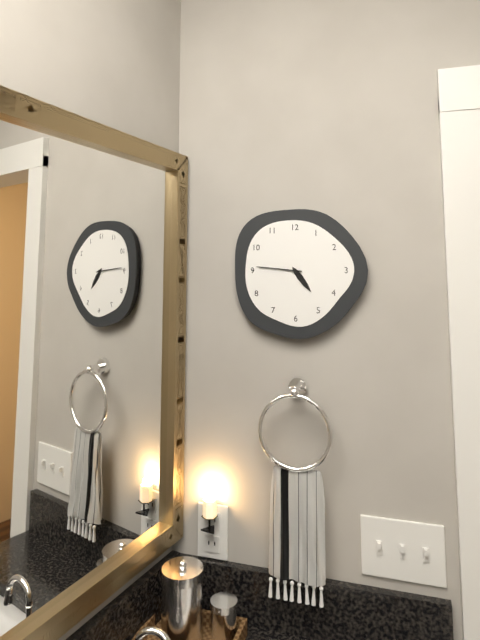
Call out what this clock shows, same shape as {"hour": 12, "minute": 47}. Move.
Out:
{"hour": 4, "minute": 46}
